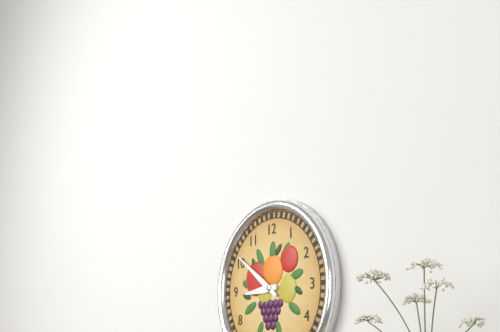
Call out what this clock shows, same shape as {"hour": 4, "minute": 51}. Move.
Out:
{"hour": 8, "minute": 51}
